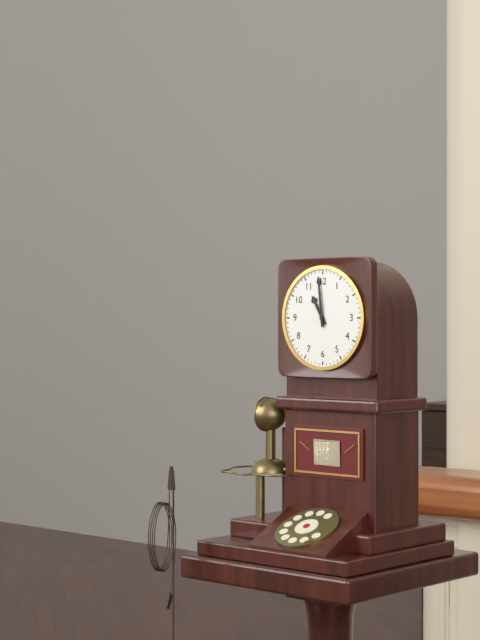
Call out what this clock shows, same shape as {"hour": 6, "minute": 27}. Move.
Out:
{"hour": 10, "minute": 59}
